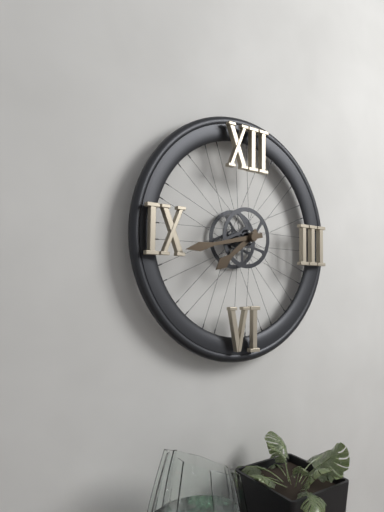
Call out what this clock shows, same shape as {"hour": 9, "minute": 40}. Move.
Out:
{"hour": 7, "minute": 43}
